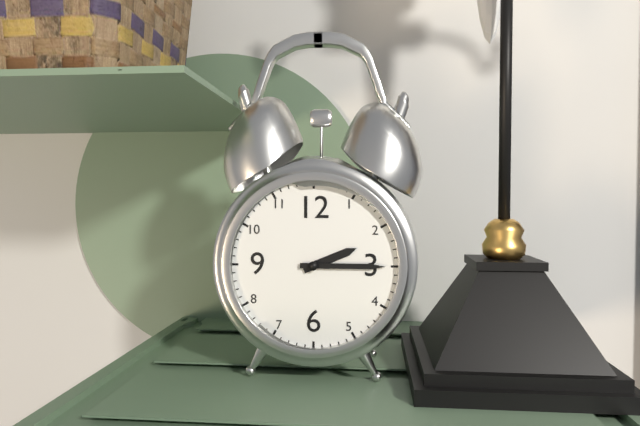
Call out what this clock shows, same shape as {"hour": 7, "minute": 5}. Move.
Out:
{"hour": 2, "minute": 15}
